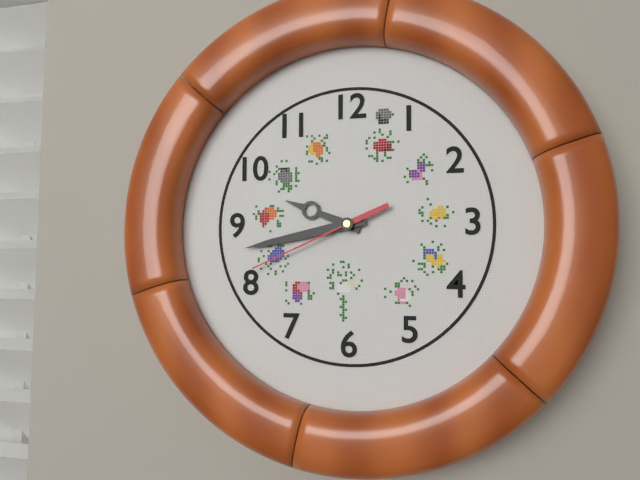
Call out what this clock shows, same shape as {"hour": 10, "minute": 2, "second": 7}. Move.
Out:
{"hour": 9, "minute": 43, "second": 41}
